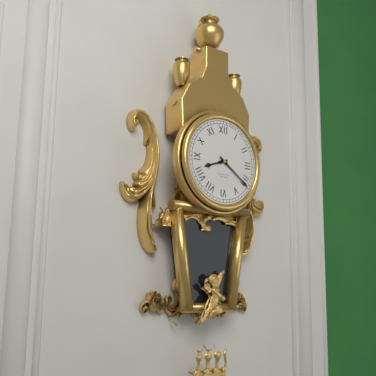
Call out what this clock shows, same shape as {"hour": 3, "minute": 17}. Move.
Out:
{"hour": 8, "minute": 21}
